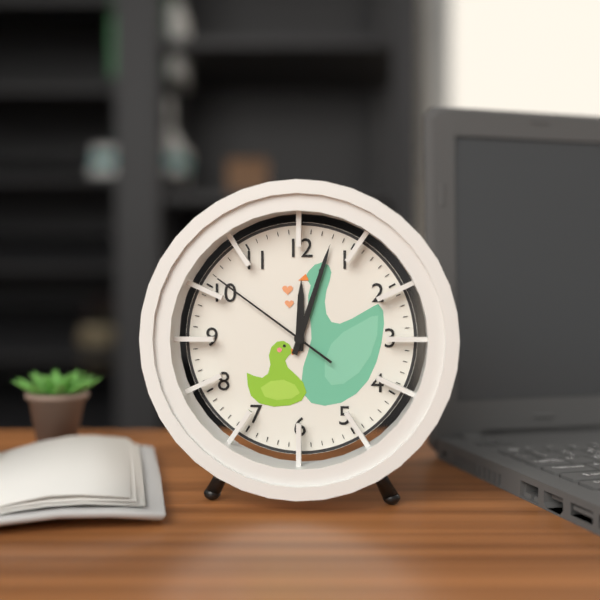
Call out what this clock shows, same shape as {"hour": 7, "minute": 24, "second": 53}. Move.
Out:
{"hour": 12, "minute": 3, "second": 51}
